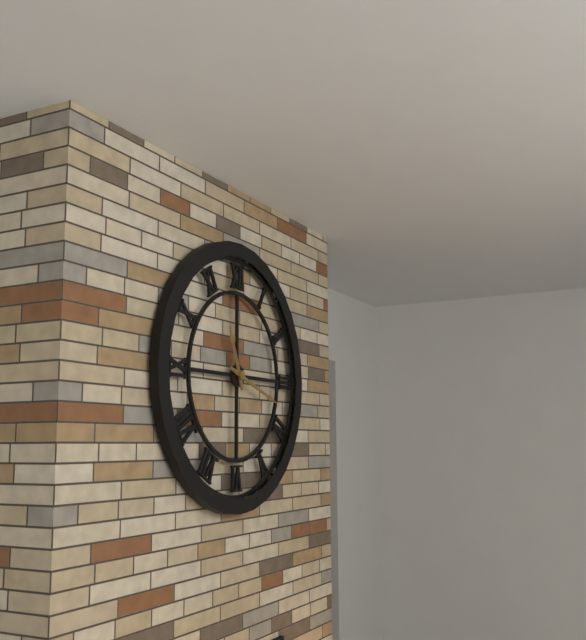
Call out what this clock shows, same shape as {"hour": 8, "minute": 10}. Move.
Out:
{"hour": 11, "minute": 18}
